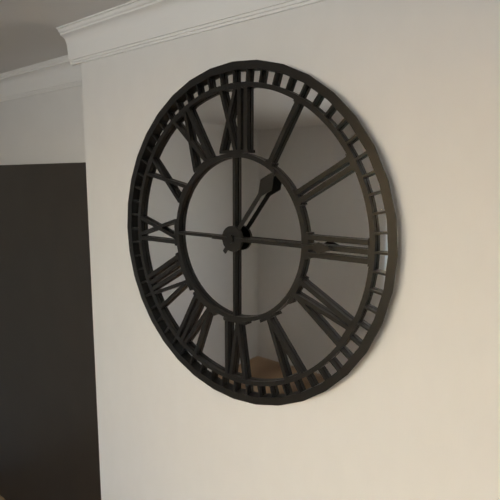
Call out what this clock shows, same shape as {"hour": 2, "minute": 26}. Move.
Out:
{"hour": 1, "minute": 15}
